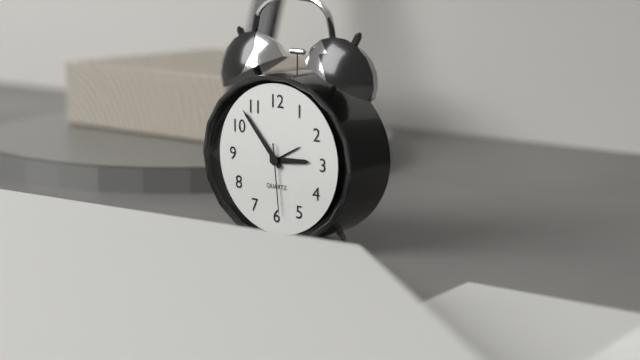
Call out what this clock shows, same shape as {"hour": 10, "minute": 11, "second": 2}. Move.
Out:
{"hour": 2, "minute": 53, "second": 29}
